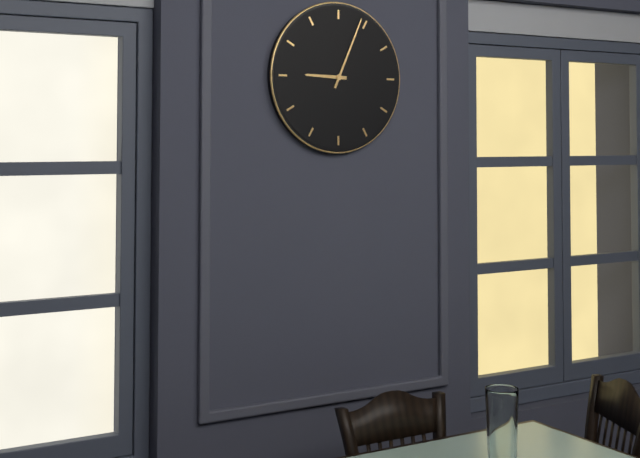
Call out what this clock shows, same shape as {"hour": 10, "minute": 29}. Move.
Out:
{"hour": 9, "minute": 4}
